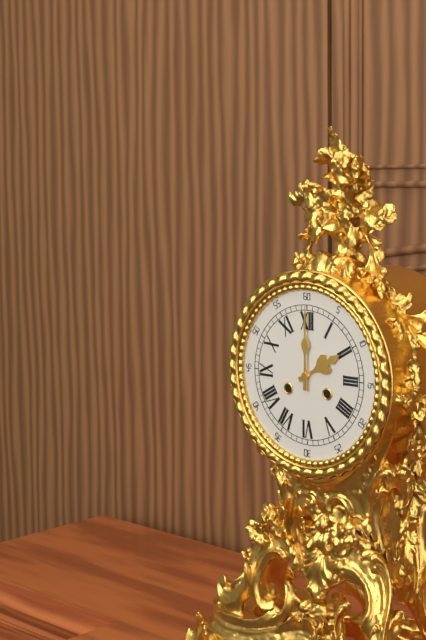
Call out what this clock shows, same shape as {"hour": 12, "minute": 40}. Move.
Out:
{"hour": 2, "minute": 0}
